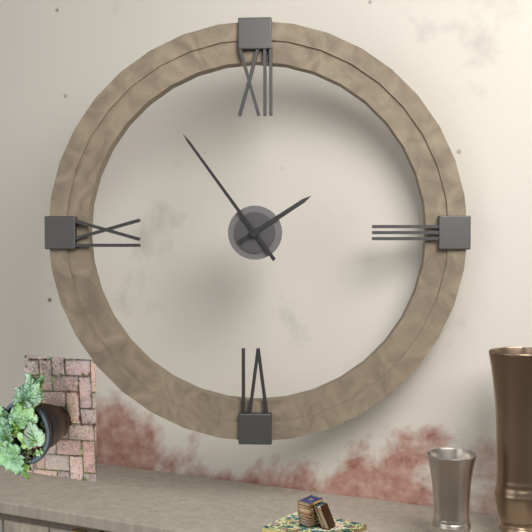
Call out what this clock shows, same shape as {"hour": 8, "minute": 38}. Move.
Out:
{"hour": 1, "minute": 54}
